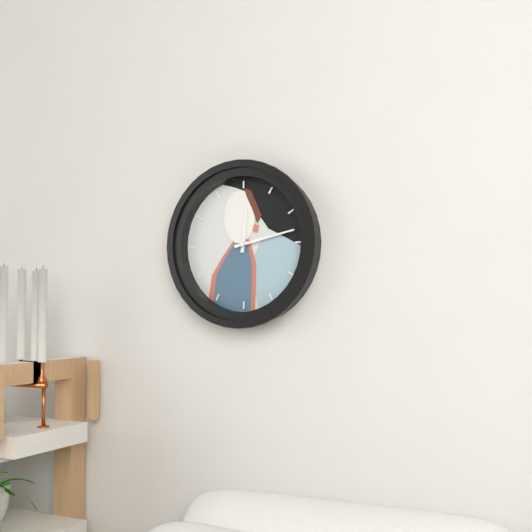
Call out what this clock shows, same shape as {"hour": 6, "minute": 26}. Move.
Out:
{"hour": 12, "minute": 13}
